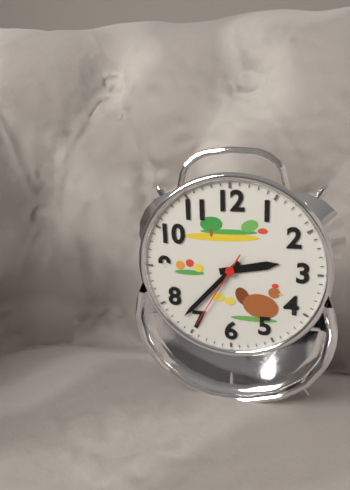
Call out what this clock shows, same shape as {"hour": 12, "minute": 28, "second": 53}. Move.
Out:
{"hour": 2, "minute": 37, "second": 35}
